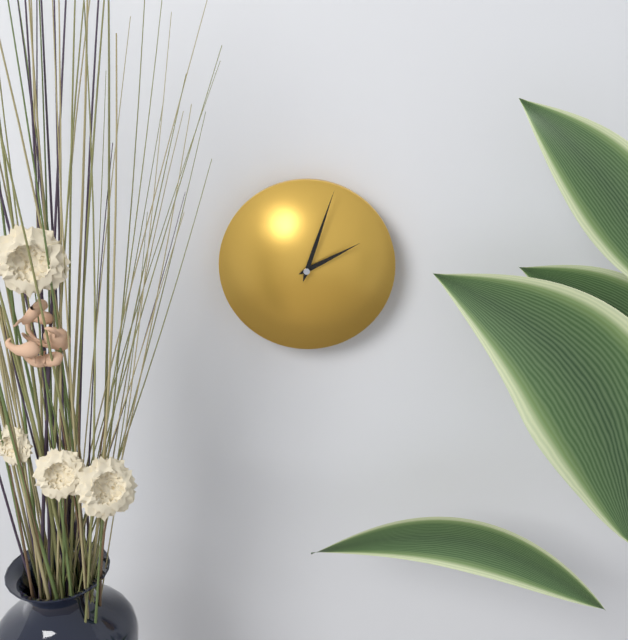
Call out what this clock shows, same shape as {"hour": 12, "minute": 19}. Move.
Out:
{"hour": 2, "minute": 3}
